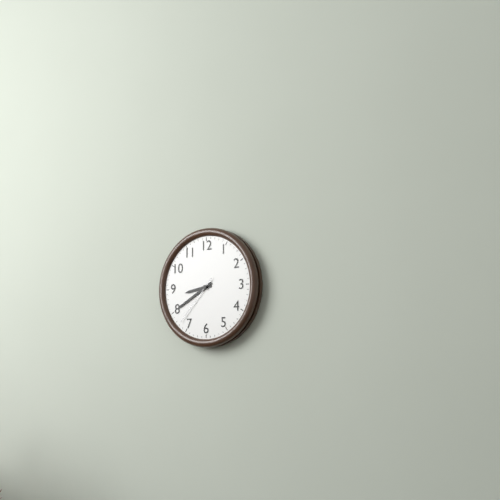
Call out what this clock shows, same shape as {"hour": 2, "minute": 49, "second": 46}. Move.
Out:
{"hour": 8, "minute": 40, "second": 37}
